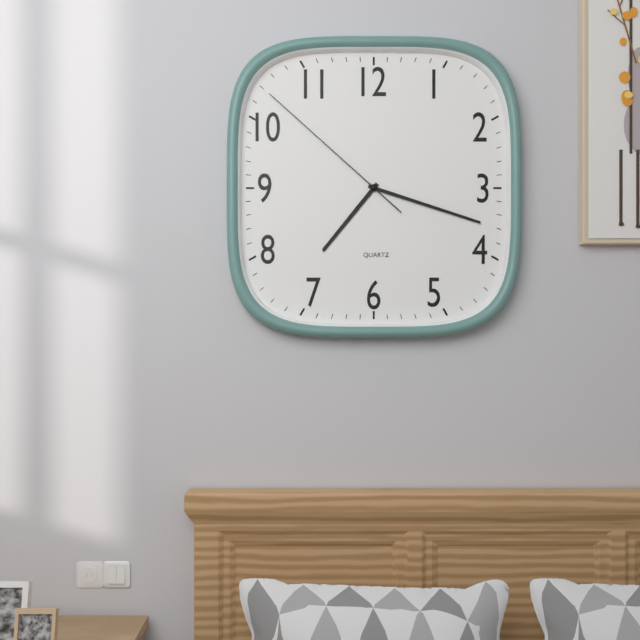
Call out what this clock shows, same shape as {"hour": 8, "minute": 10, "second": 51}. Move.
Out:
{"hour": 7, "minute": 18, "second": 52}
